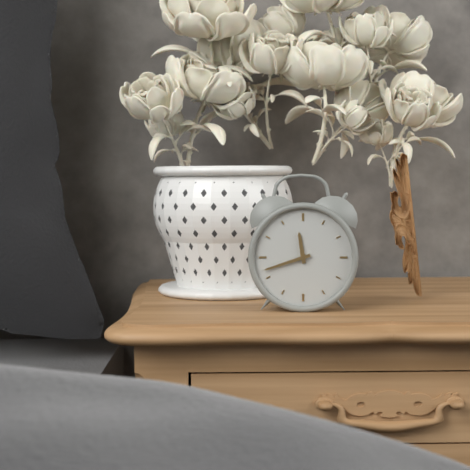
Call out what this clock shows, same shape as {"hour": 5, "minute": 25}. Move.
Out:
{"hour": 11, "minute": 42}
